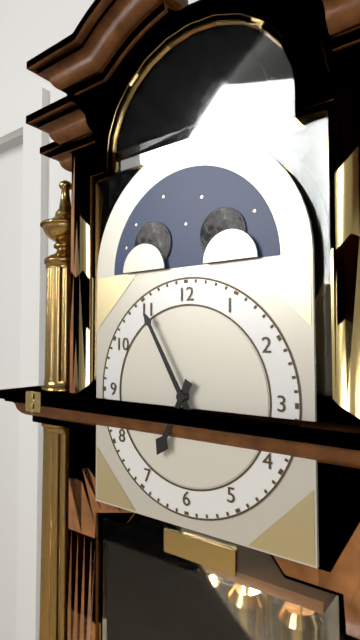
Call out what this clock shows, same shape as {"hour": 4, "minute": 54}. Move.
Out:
{"hour": 6, "minute": 55}
